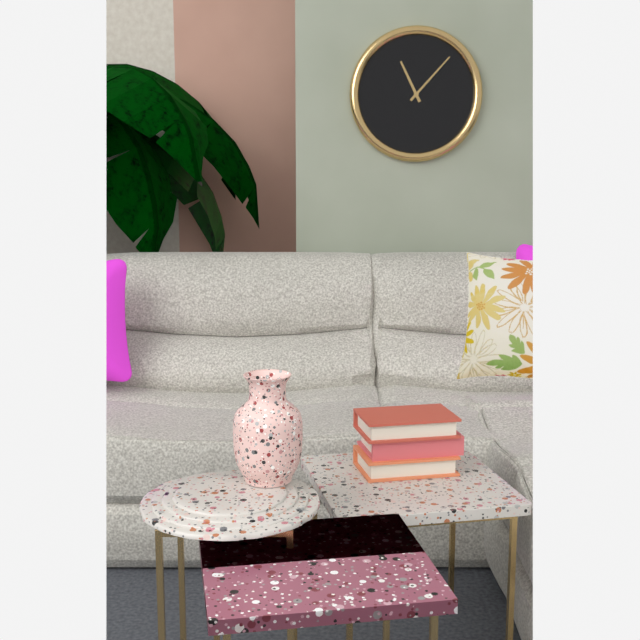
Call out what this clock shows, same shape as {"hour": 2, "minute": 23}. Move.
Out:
{"hour": 11, "minute": 7}
